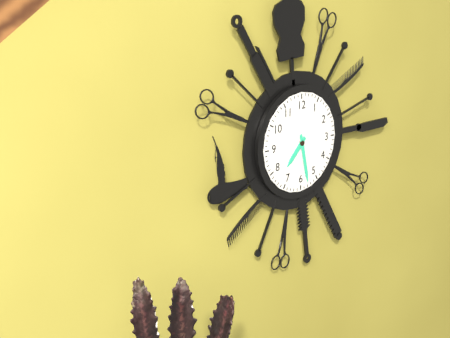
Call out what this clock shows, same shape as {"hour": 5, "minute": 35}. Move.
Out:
{"hour": 7, "minute": 28}
